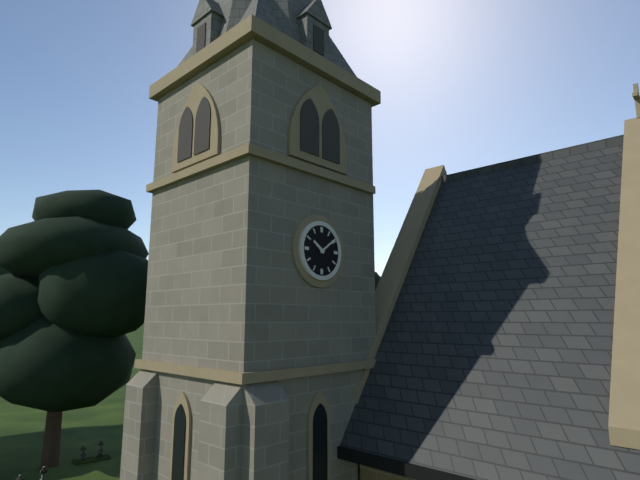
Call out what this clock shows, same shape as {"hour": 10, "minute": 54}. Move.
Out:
{"hour": 10, "minute": 9}
